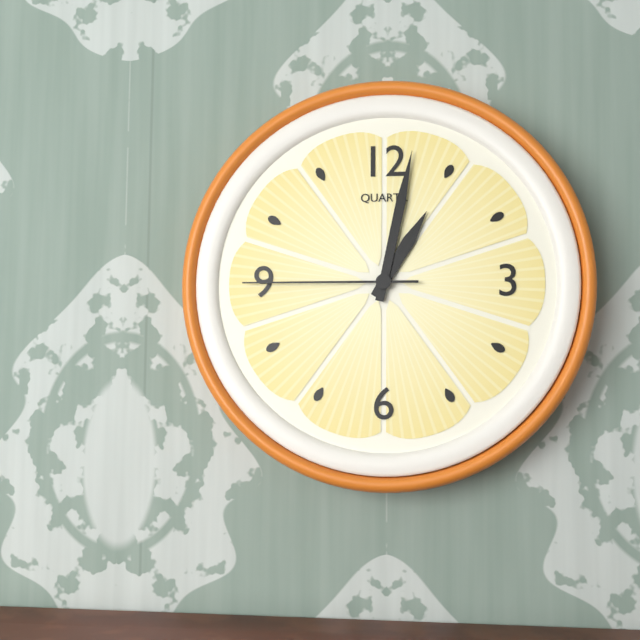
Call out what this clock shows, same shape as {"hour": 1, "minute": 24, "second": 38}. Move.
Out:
{"hour": 1, "minute": 2, "second": 45}
